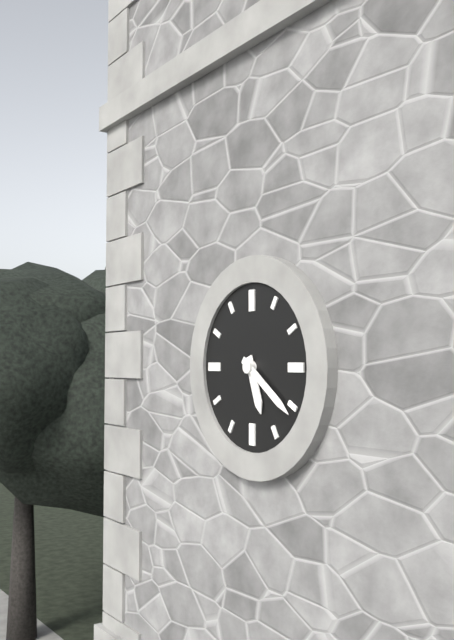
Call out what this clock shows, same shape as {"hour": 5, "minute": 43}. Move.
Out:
{"hour": 5, "minute": 21}
